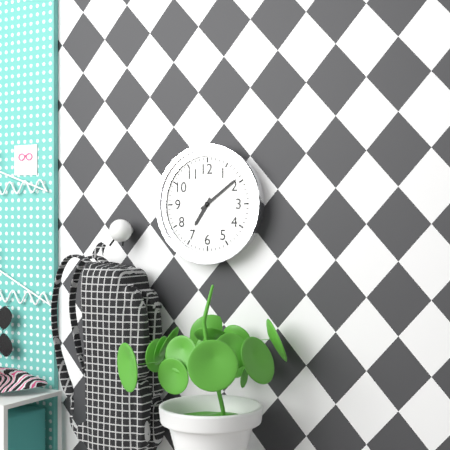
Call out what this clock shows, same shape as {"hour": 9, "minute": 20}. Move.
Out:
{"hour": 7, "minute": 9}
